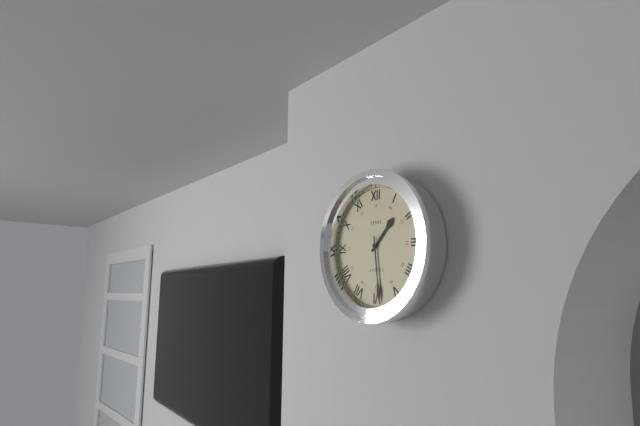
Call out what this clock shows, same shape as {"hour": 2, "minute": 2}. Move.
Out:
{"hour": 1, "minute": 29}
